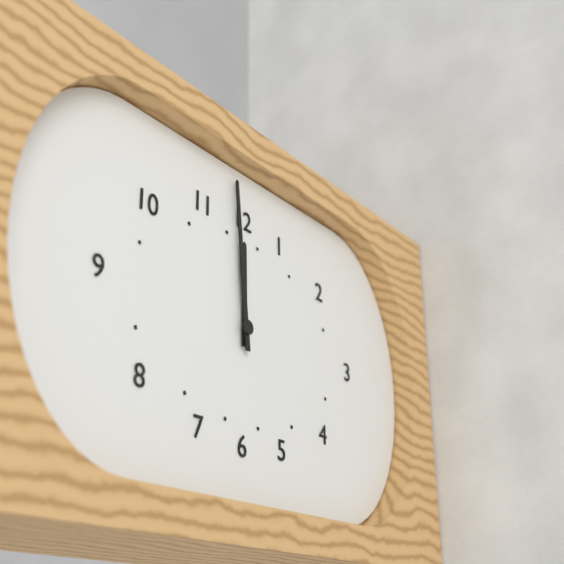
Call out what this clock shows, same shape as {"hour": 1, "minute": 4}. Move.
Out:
{"hour": 11, "minute": 59}
